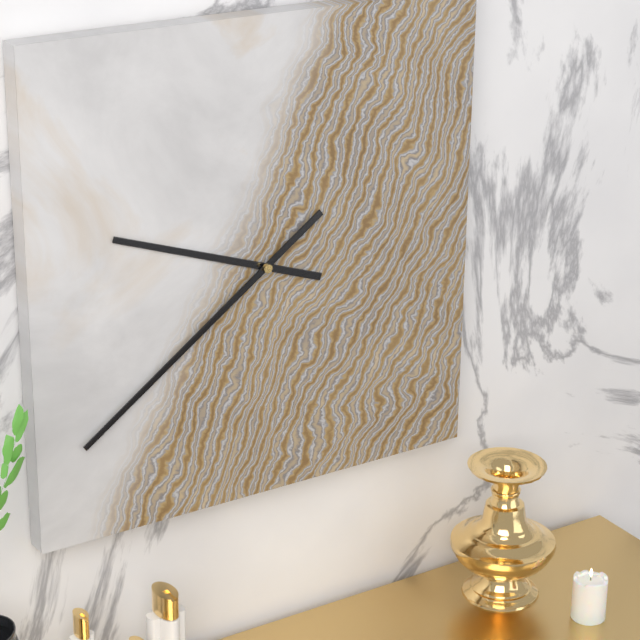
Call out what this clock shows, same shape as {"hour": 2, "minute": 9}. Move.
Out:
{"hour": 9, "minute": 39}
